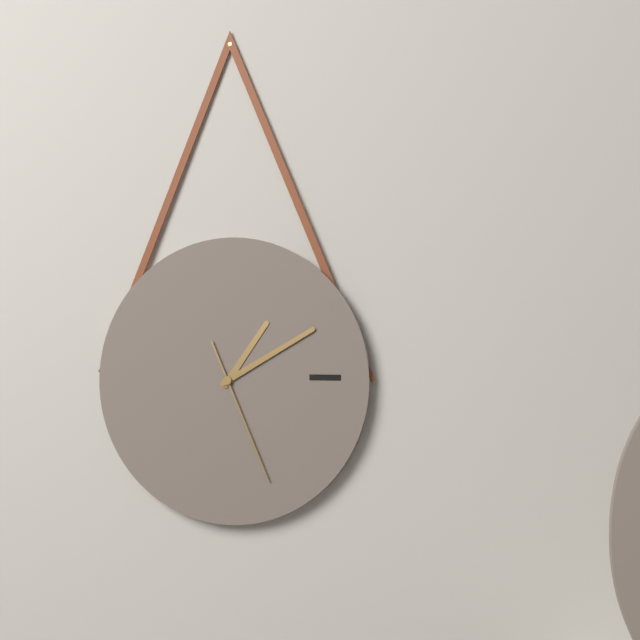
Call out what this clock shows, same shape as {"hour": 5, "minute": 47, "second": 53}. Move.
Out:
{"hour": 1, "minute": 10, "second": 26}
